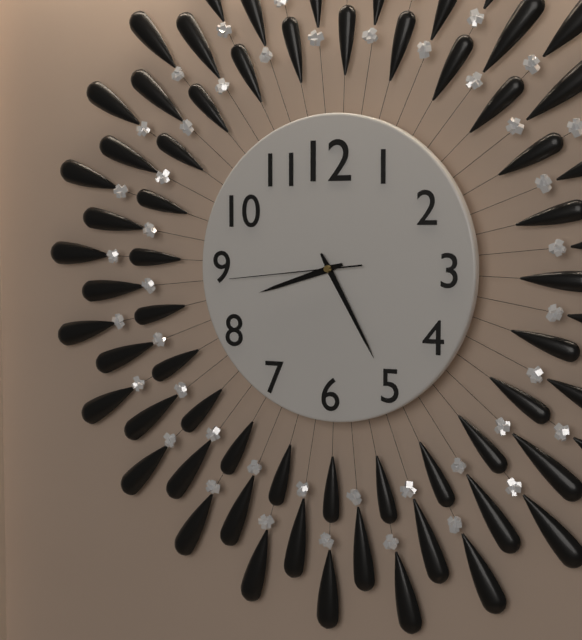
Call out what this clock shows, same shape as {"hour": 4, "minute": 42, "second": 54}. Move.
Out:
{"hour": 8, "minute": 25, "second": 44}
